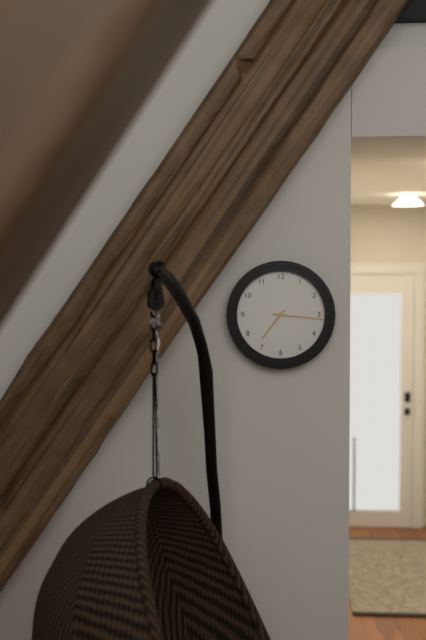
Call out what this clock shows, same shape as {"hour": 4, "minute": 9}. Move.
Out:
{"hour": 7, "minute": 16}
